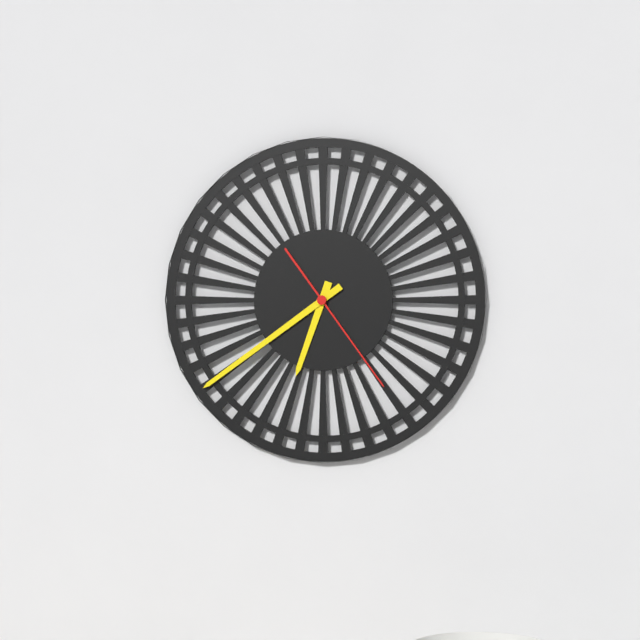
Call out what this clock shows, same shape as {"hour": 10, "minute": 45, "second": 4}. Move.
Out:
{"hour": 6, "minute": 39, "second": 24}
